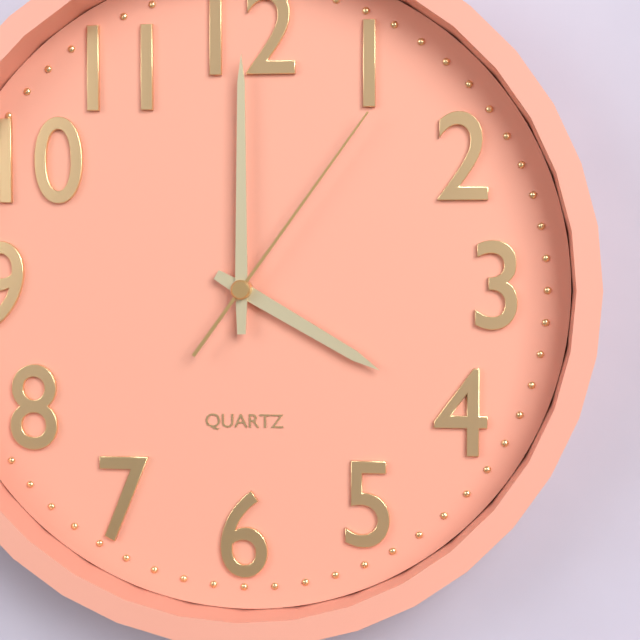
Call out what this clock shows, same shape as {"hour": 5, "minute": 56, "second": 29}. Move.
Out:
{"hour": 4, "minute": 0, "second": 6}
